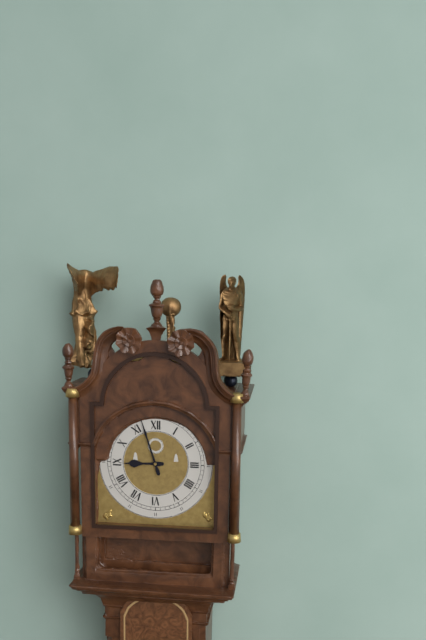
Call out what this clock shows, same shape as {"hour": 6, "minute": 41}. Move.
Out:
{"hour": 8, "minute": 57}
